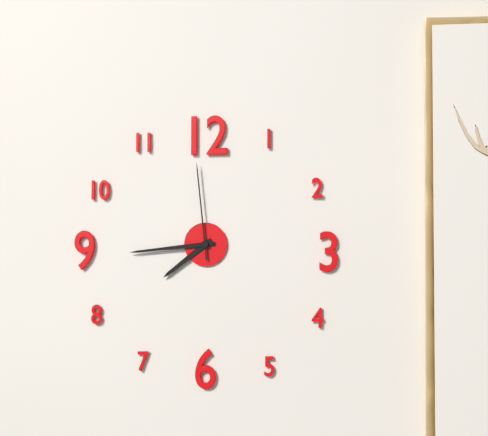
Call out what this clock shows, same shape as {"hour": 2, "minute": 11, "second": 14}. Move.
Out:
{"hour": 7, "minute": 44, "second": 59}
